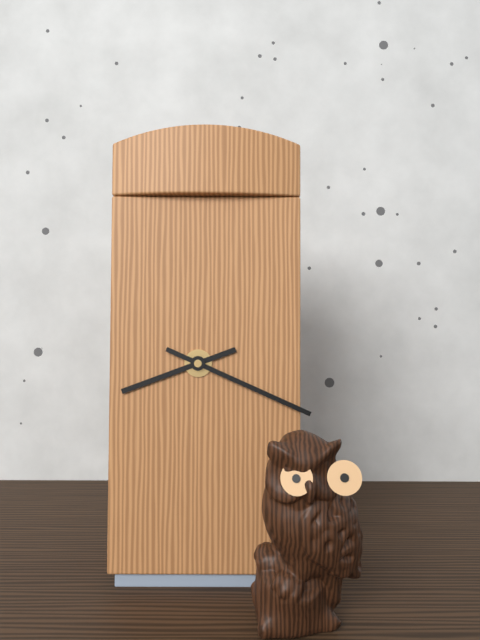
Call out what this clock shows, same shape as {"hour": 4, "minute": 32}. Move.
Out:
{"hour": 8, "minute": 19}
